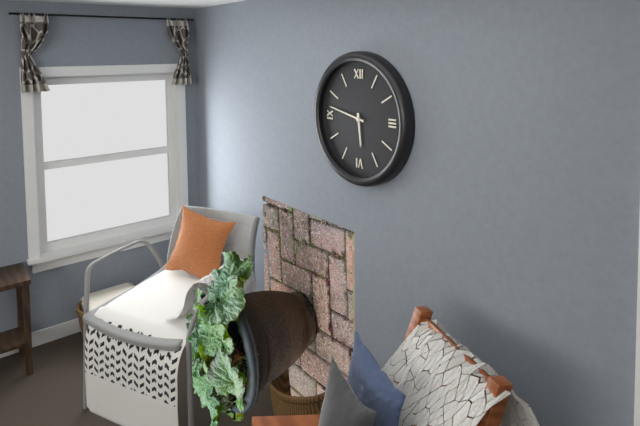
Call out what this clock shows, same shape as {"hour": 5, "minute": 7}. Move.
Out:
{"hour": 5, "minute": 47}
